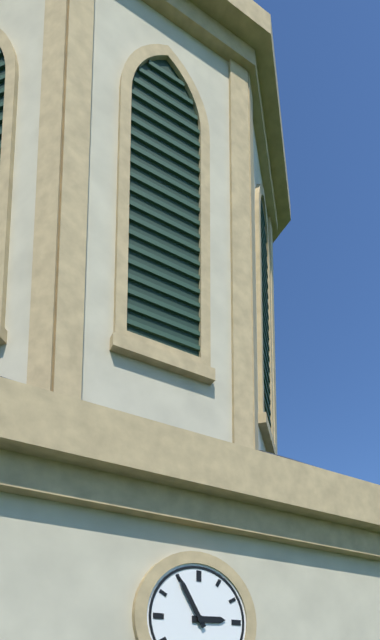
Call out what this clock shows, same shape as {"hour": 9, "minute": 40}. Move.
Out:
{"hour": 2, "minute": 55}
